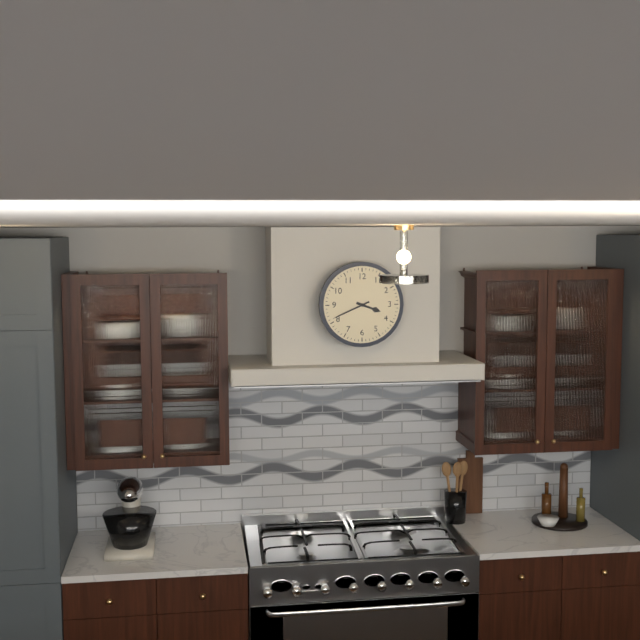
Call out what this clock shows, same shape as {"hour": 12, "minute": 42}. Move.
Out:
{"hour": 3, "minute": 41}
